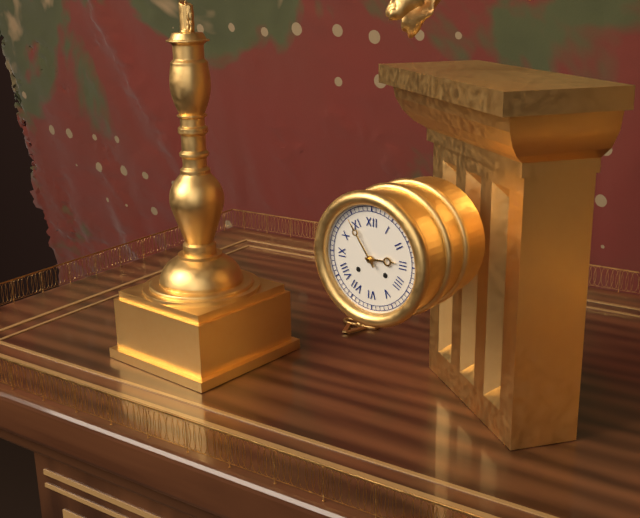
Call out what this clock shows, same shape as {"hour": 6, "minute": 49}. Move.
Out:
{"hour": 2, "minute": 54}
